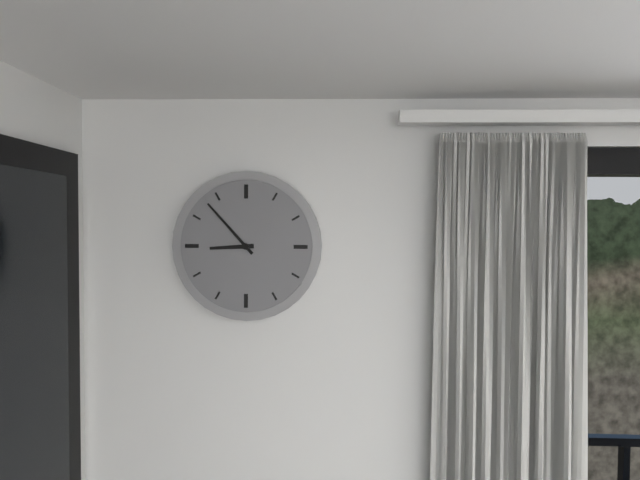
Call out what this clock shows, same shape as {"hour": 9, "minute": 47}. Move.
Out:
{"hour": 8, "minute": 53}
